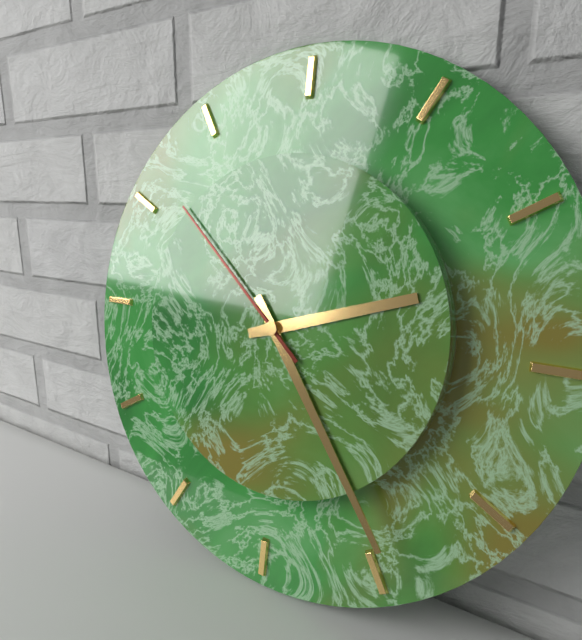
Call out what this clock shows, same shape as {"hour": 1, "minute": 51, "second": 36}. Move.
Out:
{"hour": 2, "minute": 24, "second": 52}
